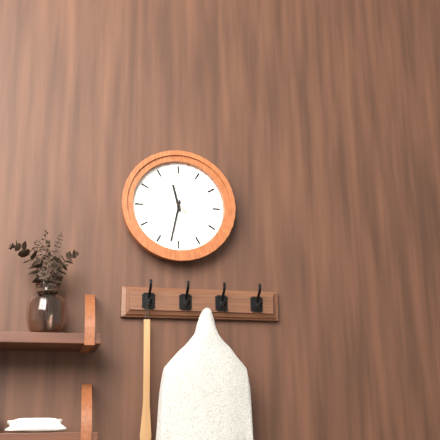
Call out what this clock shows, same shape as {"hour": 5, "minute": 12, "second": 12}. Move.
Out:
{"hour": 11, "minute": 32, "second": 52}
